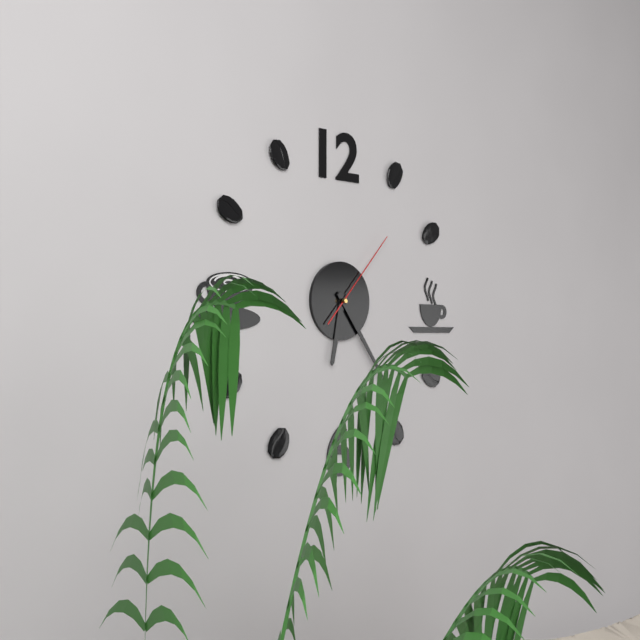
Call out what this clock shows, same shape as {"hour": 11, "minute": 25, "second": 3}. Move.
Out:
{"hour": 6, "minute": 24, "second": 7}
